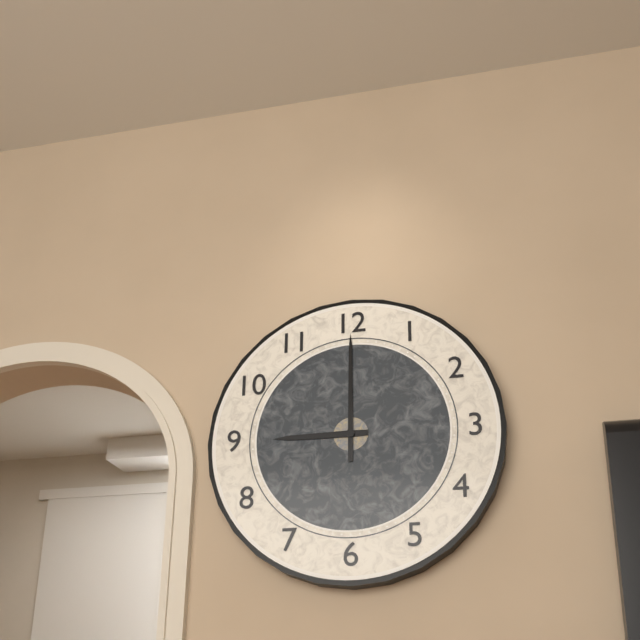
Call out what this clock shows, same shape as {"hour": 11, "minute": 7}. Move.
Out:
{"hour": 9, "minute": 0}
